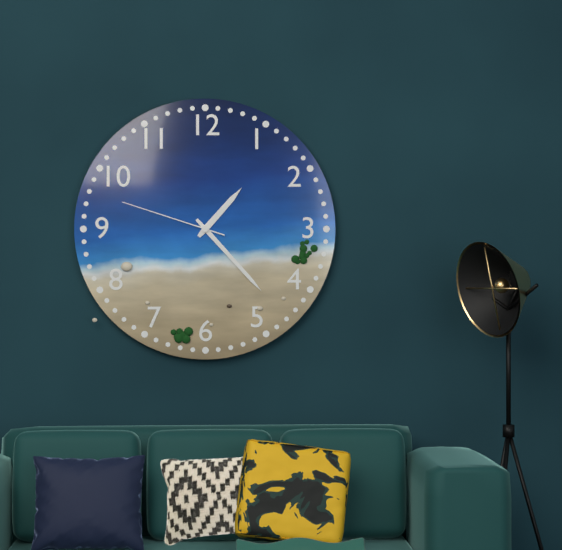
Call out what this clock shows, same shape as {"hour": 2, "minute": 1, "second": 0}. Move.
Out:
{"hour": 1, "minute": 23, "second": 48}
